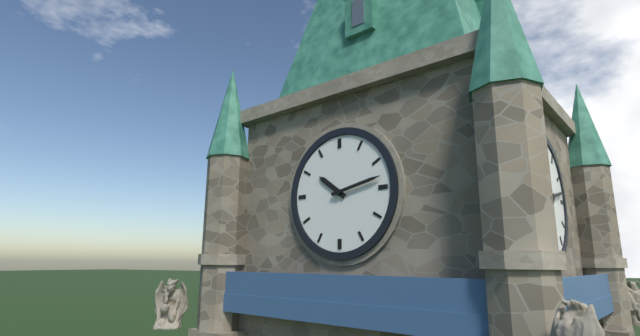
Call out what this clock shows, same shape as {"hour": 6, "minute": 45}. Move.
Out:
{"hour": 10, "minute": 13}
